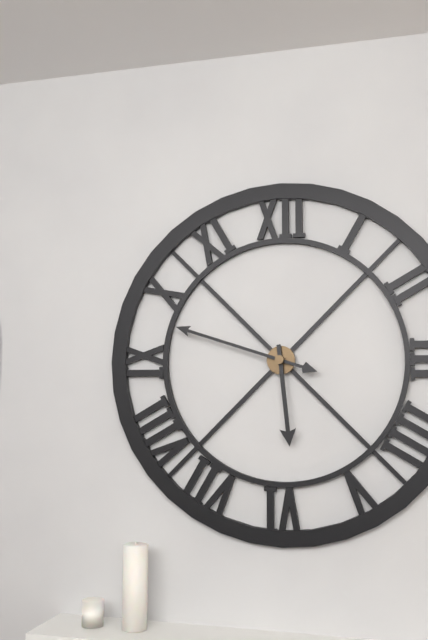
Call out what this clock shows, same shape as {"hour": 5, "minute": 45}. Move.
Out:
{"hour": 5, "minute": 48}
